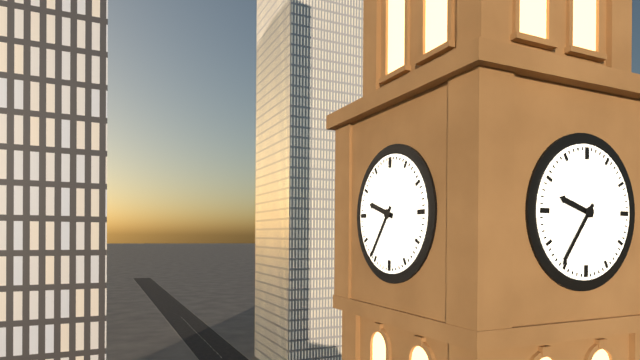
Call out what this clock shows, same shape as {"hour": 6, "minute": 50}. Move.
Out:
{"hour": 9, "minute": 36}
